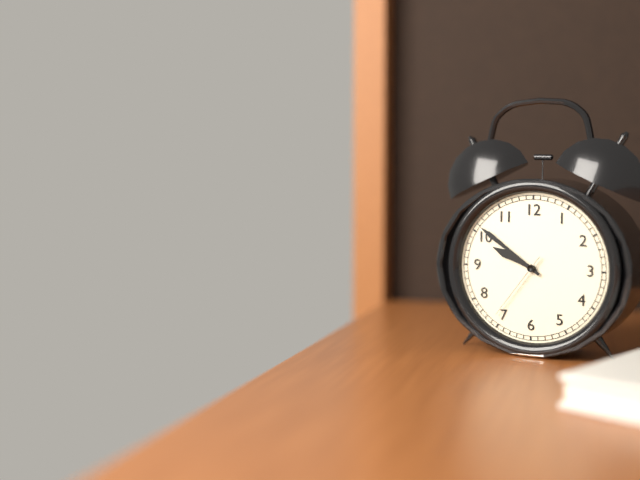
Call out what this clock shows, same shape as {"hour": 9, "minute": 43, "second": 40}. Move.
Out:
{"hour": 9, "minute": 51, "second": 36}
